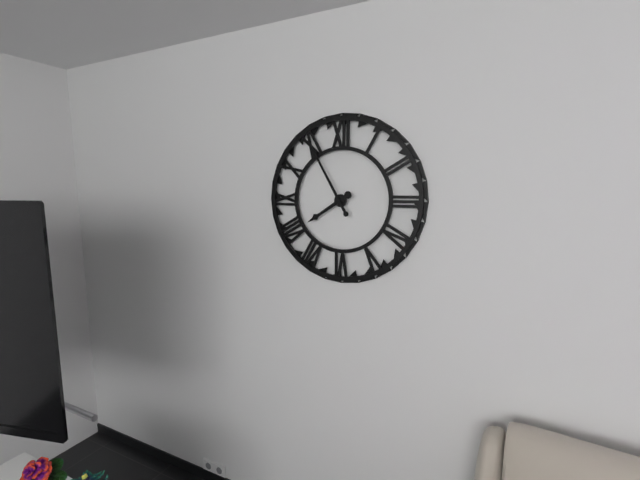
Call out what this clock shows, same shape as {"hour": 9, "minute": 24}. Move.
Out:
{"hour": 7, "minute": 55}
